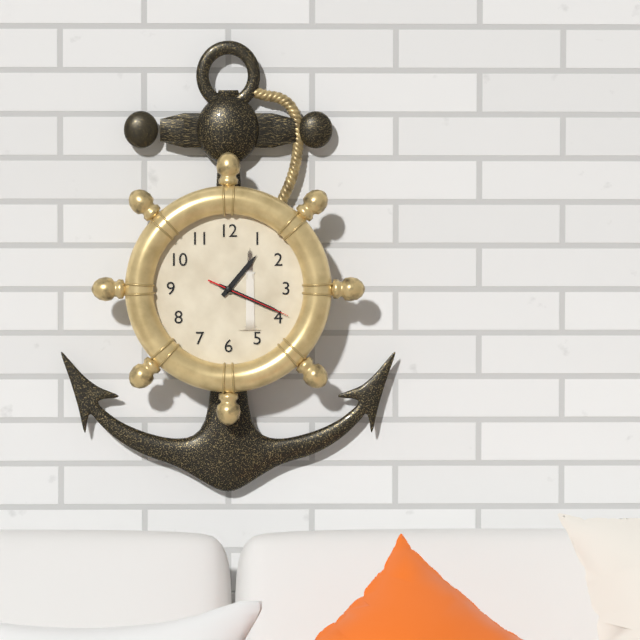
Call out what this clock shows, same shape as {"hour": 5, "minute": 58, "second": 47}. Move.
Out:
{"hour": 1, "minute": 19, "second": 19}
